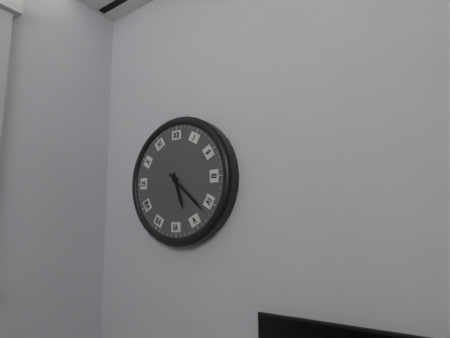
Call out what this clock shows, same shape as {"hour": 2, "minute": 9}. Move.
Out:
{"hour": 5, "minute": 22}
